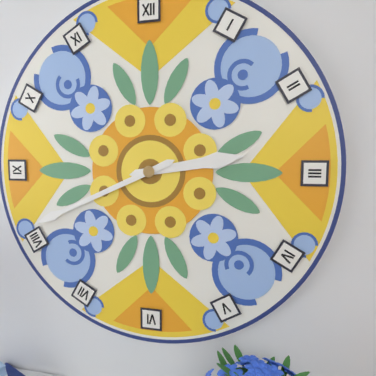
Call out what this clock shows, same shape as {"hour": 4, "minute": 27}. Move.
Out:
{"hour": 2, "minute": 41}
